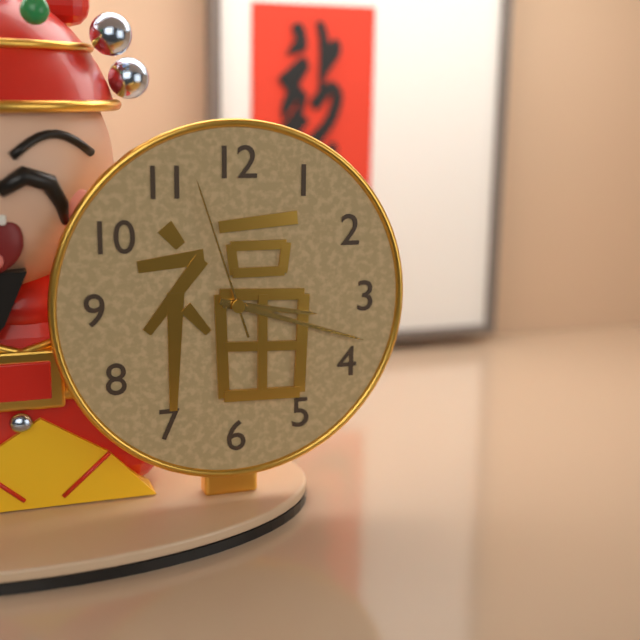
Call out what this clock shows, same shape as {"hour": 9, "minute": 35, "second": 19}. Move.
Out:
{"hour": 3, "minute": 18, "second": 57}
